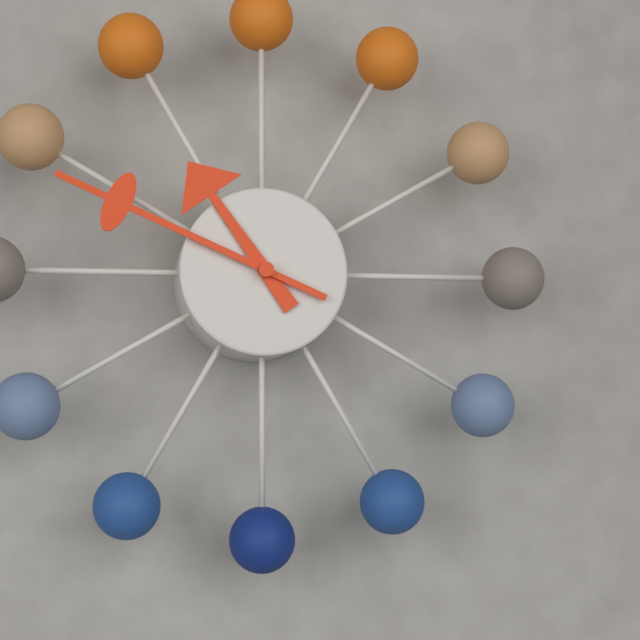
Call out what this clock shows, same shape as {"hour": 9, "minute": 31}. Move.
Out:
{"hour": 10, "minute": 49}
